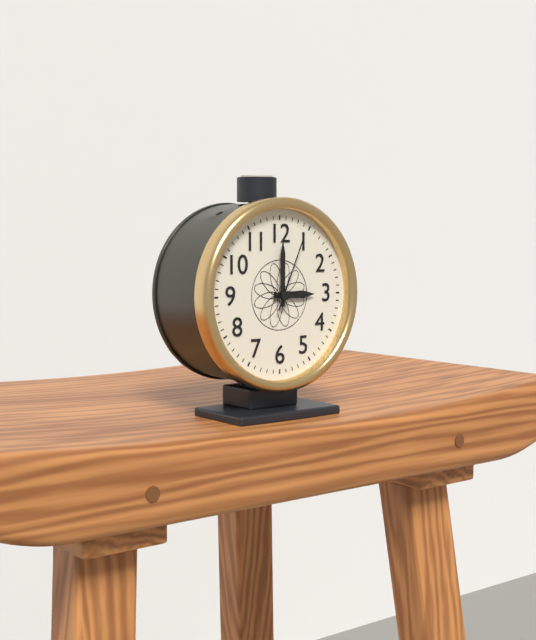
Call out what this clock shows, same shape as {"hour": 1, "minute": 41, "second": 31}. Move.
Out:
{"hour": 3, "minute": 0, "second": 4}
